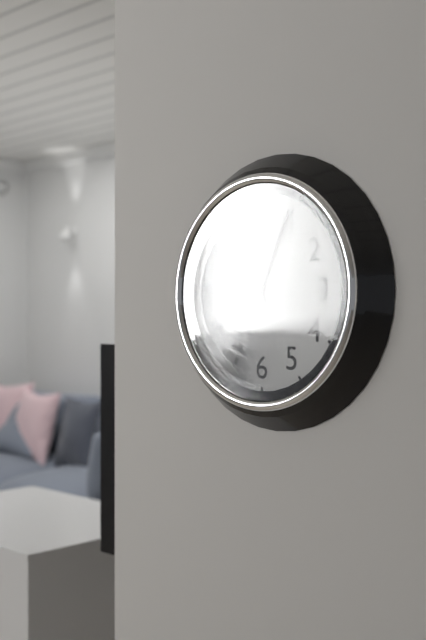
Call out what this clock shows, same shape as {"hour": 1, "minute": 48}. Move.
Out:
{"hour": 11, "minute": 4}
